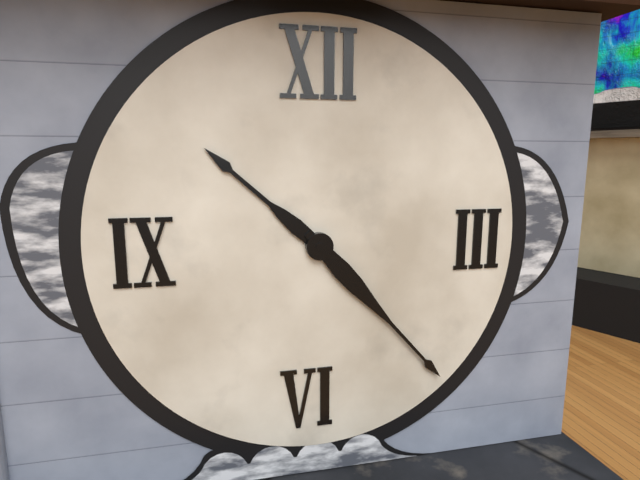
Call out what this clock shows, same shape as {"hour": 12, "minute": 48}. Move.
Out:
{"hour": 10, "minute": 23}
